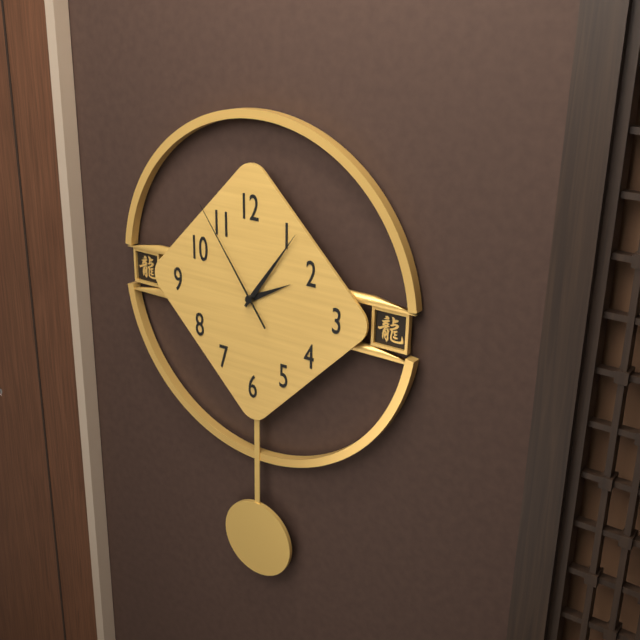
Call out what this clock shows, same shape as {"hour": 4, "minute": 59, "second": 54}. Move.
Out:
{"hour": 2, "minute": 6, "second": 54}
